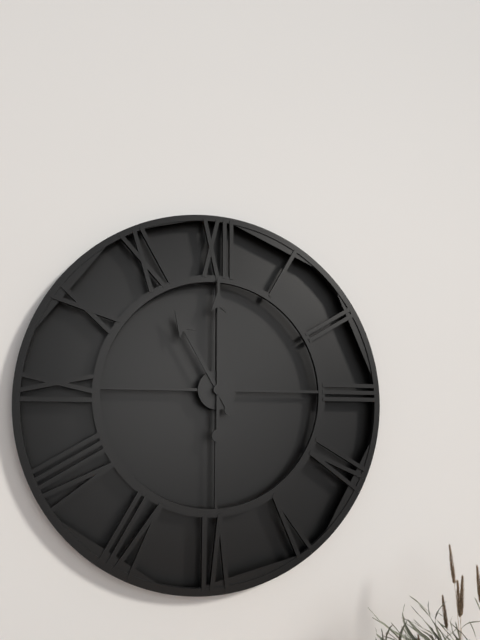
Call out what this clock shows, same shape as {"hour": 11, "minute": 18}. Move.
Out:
{"hour": 11, "minute": 0}
